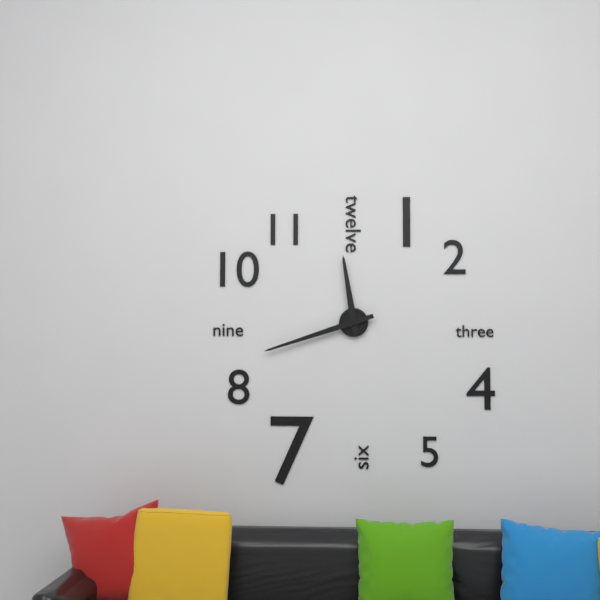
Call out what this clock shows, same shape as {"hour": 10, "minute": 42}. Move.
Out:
{"hour": 11, "minute": 42}
